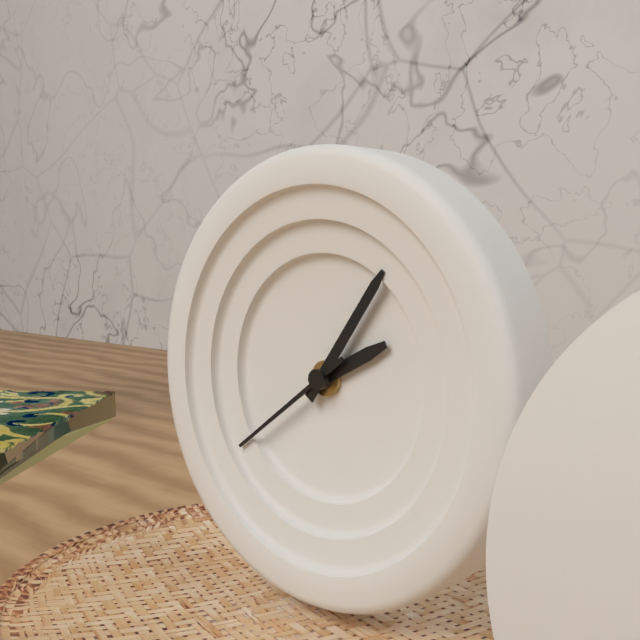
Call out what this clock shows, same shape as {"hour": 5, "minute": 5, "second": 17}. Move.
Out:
{"hour": 2, "minute": 6, "second": 39}
